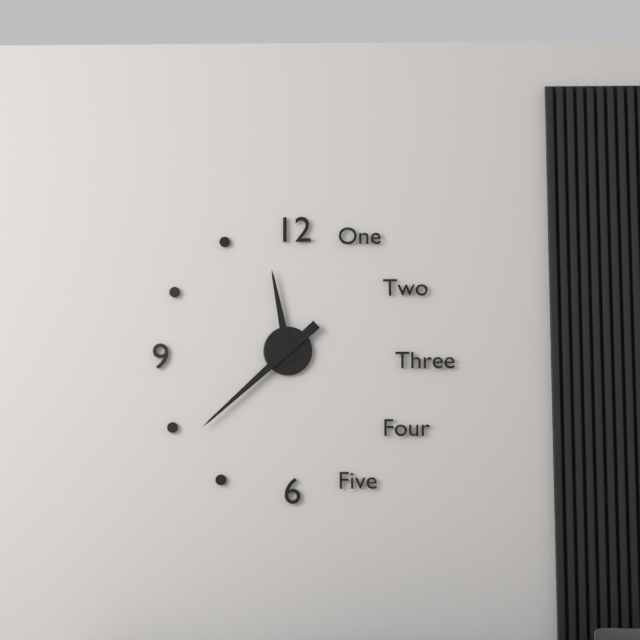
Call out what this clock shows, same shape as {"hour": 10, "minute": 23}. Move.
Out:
{"hour": 11, "minute": 38}
